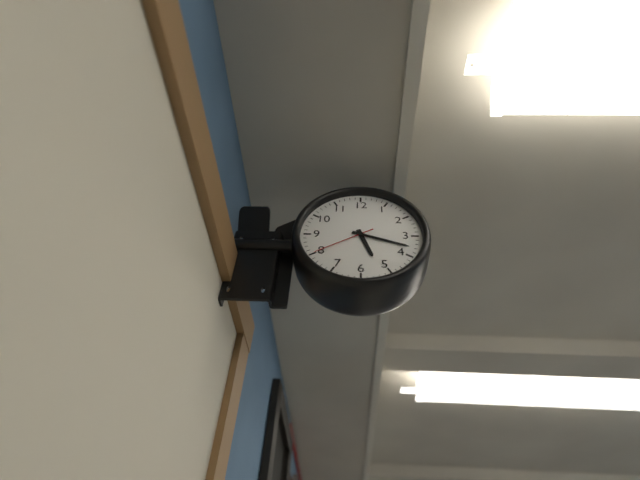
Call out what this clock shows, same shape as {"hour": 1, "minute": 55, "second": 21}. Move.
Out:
{"hour": 5, "minute": 18, "second": 40}
